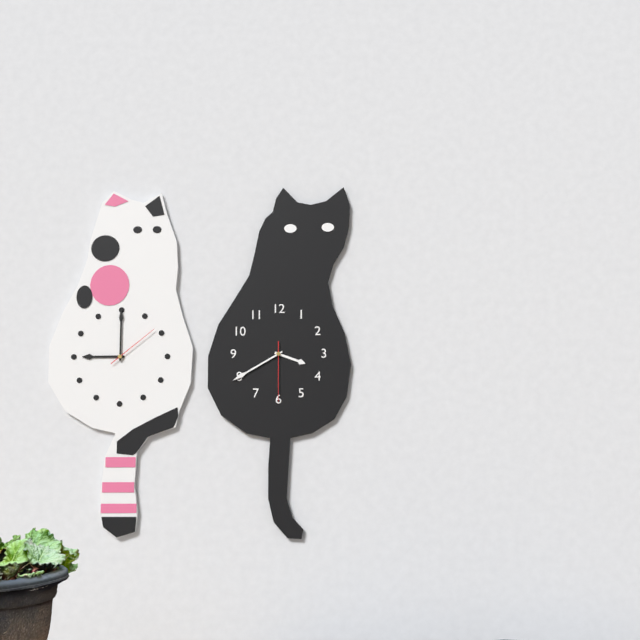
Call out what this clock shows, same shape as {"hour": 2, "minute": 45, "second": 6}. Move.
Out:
{"hour": 3, "minute": 40, "second": 30}
